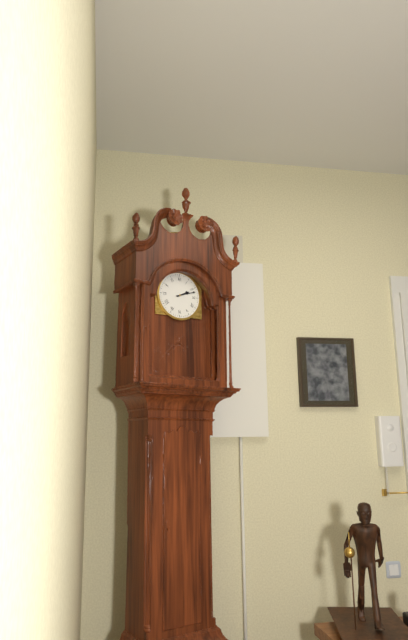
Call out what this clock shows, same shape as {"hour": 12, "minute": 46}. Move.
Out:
{"hour": 2, "minute": 12}
